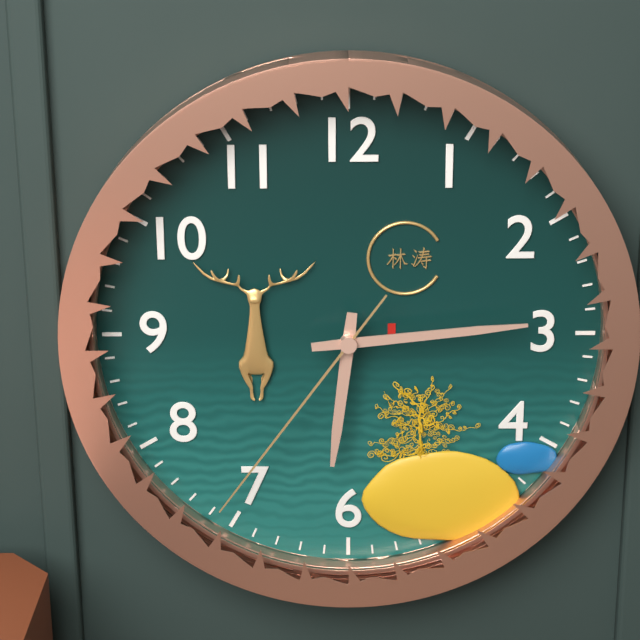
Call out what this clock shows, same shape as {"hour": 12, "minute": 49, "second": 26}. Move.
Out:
{"hour": 6, "minute": 14, "second": 36}
